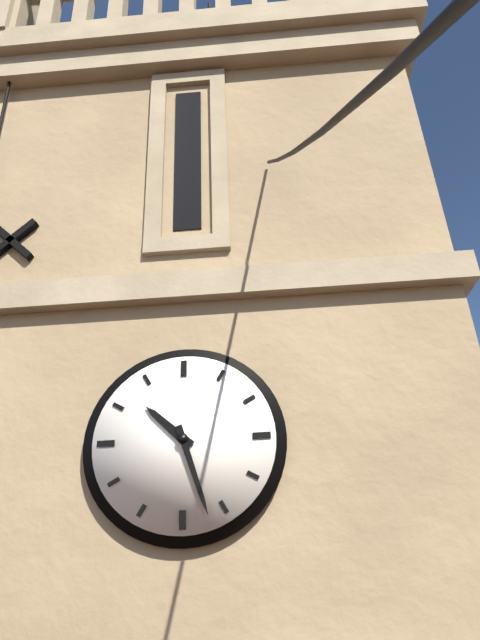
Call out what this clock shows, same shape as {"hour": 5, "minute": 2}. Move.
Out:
{"hour": 10, "minute": 27}
